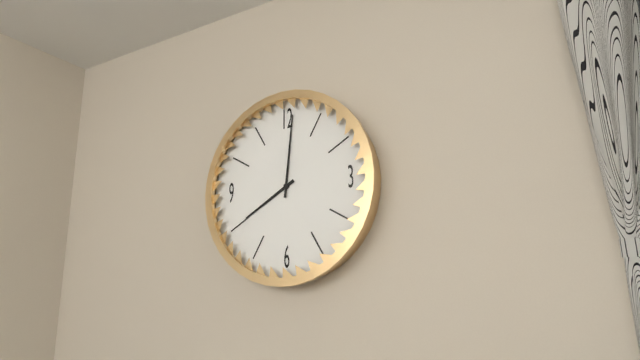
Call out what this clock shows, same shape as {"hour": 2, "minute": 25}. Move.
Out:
{"hour": 8, "minute": 1}
